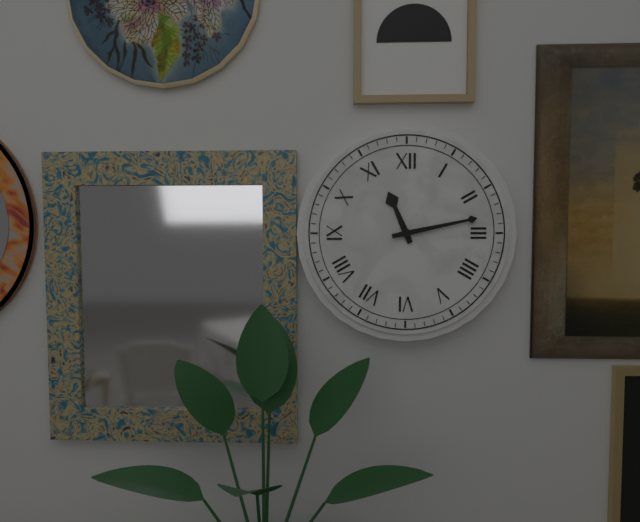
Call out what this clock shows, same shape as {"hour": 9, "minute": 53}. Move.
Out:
{"hour": 11, "minute": 13}
